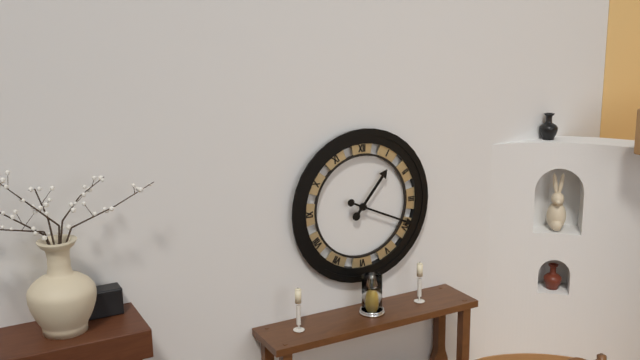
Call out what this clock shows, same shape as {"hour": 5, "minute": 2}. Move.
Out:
{"hour": 1, "minute": 19}
